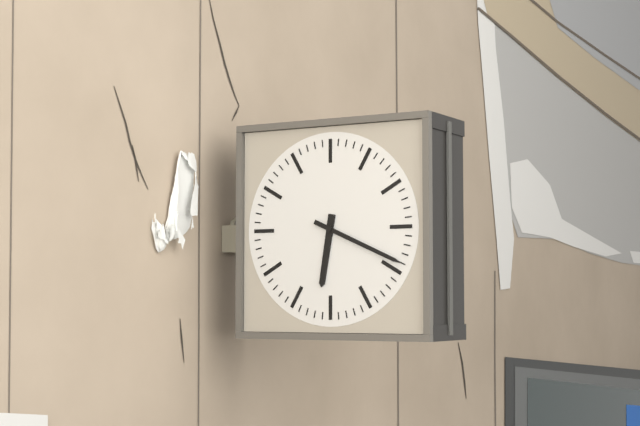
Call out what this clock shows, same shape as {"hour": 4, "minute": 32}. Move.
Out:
{"hour": 6, "minute": 19}
